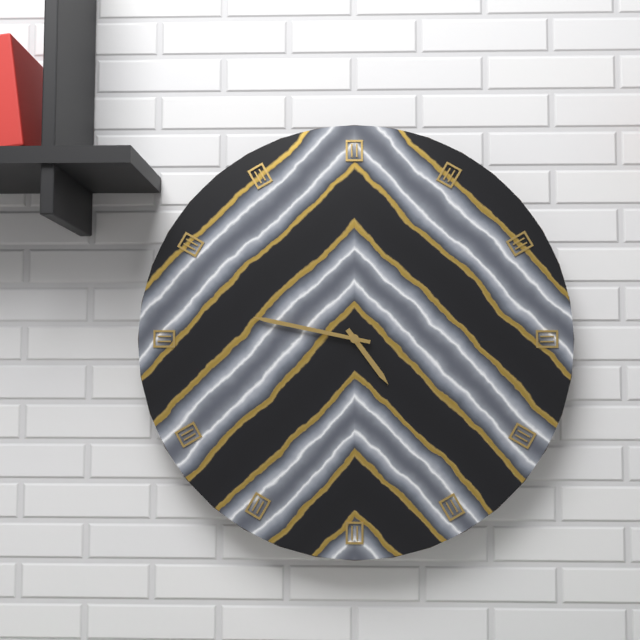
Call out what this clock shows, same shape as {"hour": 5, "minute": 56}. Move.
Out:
{"hour": 4, "minute": 47}
